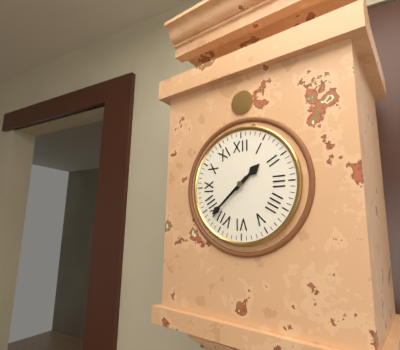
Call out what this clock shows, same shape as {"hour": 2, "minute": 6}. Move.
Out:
{"hour": 1, "minute": 38}
